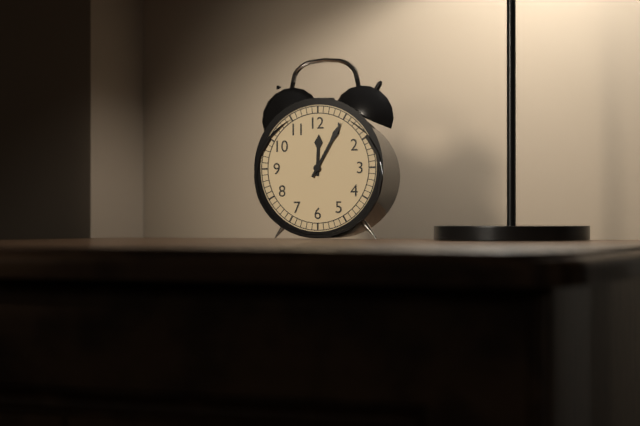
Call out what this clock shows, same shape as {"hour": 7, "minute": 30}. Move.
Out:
{"hour": 12, "minute": 5}
